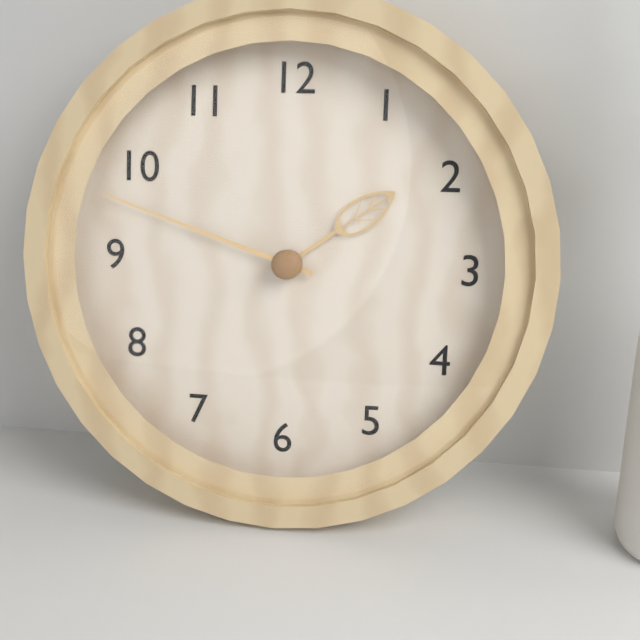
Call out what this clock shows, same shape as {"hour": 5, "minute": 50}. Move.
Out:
{"hour": 1, "minute": 48}
